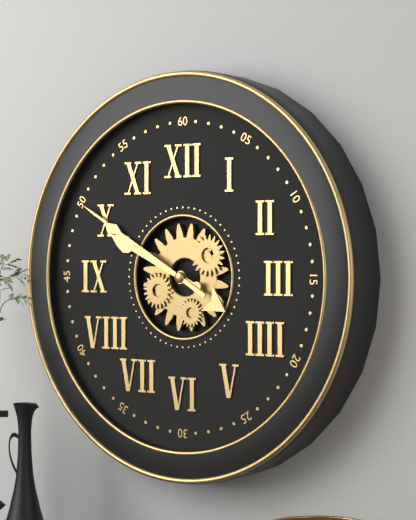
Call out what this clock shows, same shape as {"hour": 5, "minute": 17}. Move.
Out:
{"hour": 9, "minute": 50}
